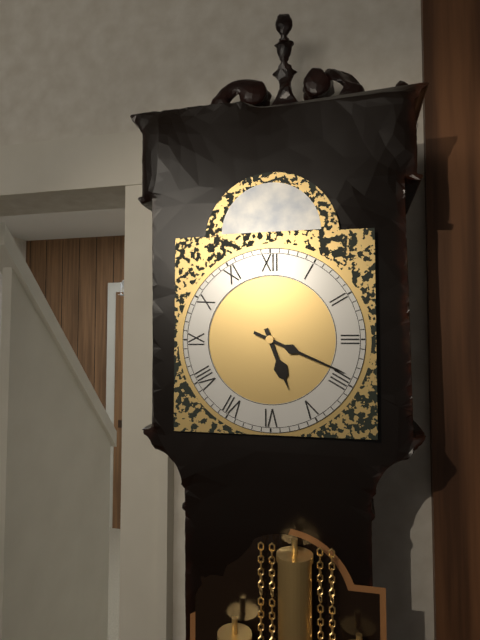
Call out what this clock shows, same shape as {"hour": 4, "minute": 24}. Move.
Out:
{"hour": 5, "minute": 19}
